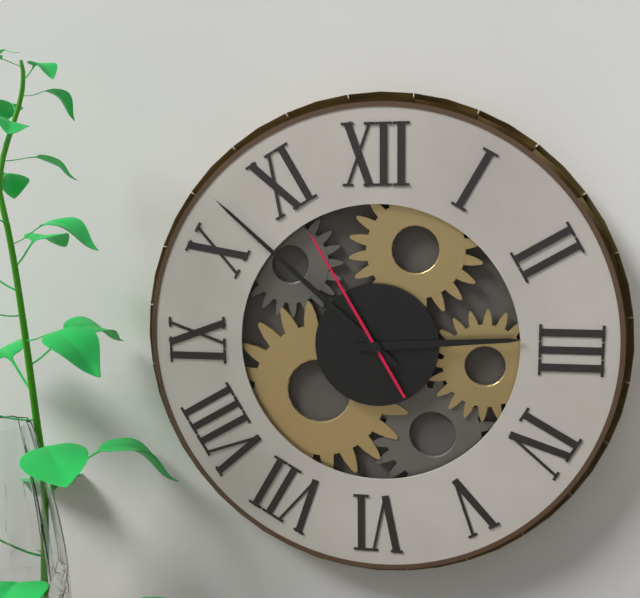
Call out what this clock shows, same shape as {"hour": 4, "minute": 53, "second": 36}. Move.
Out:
{"hour": 2, "minute": 52, "second": 55}
